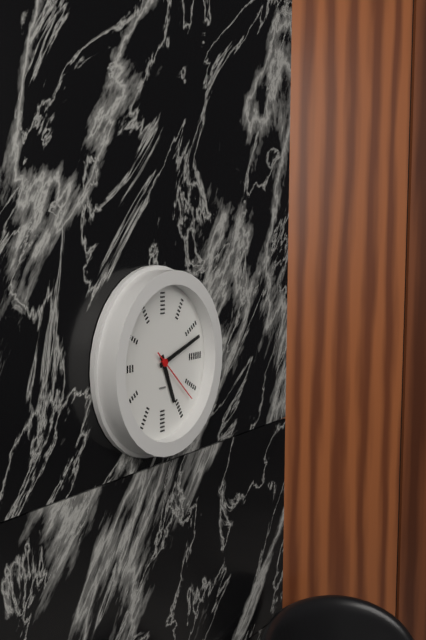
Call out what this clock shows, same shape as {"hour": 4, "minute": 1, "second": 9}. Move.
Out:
{"hour": 5, "minute": 12, "second": 22}
